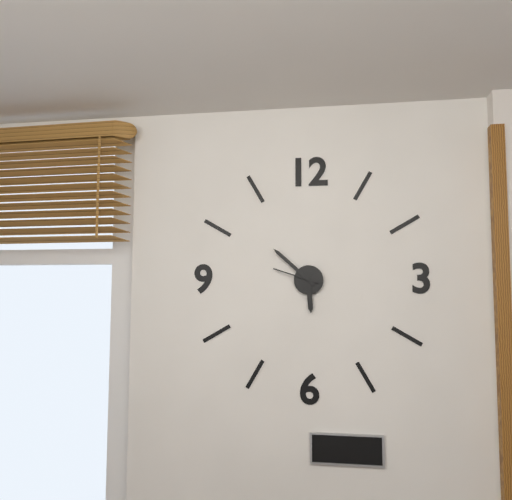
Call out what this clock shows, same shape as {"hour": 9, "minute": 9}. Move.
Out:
{"hour": 5, "minute": 52}
